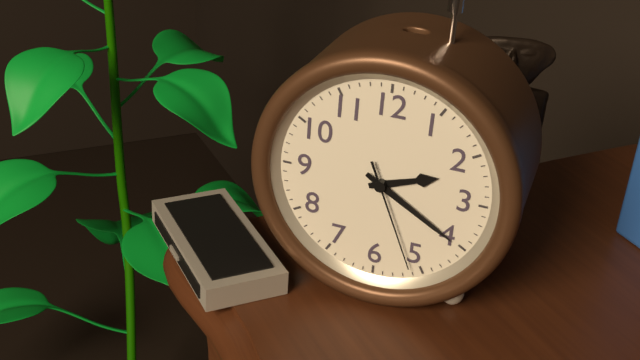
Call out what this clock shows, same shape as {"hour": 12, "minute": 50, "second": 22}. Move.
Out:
{"hour": 2, "minute": 20, "second": 26}
